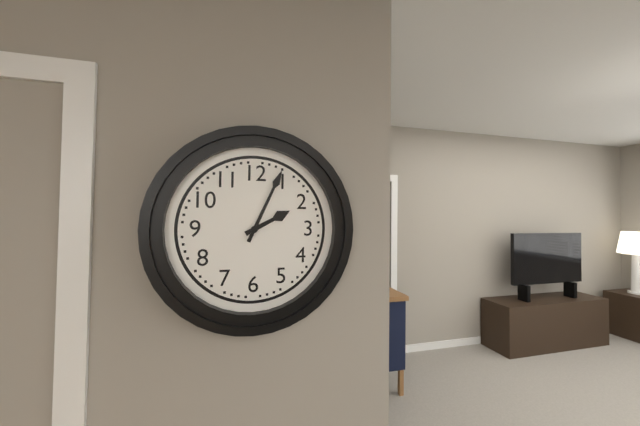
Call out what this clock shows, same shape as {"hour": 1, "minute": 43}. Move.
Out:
{"hour": 2, "minute": 4}
